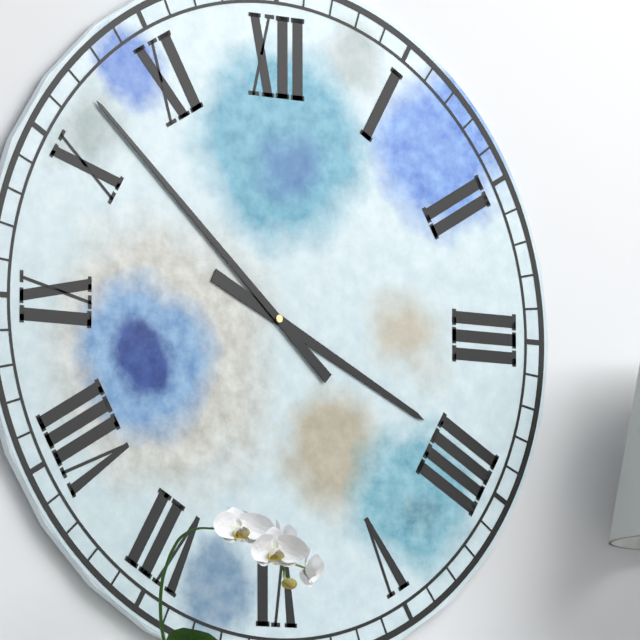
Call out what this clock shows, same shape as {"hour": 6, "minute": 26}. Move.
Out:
{"hour": 3, "minute": 52}
